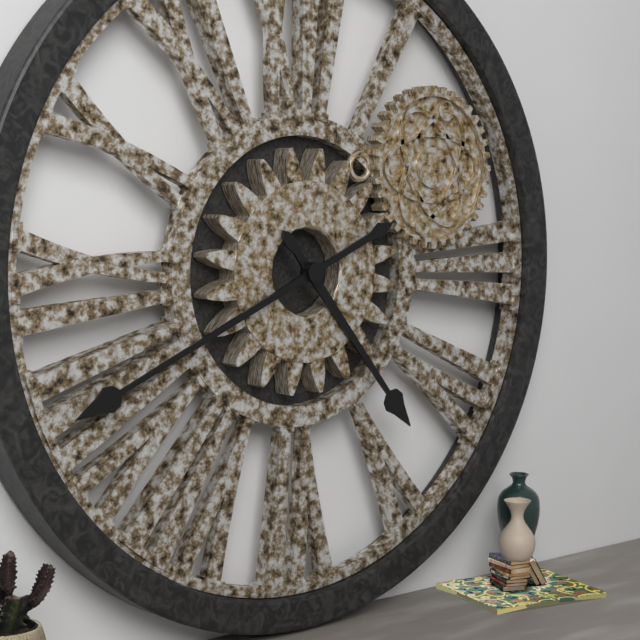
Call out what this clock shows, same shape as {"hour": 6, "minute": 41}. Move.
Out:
{"hour": 4, "minute": 41}
